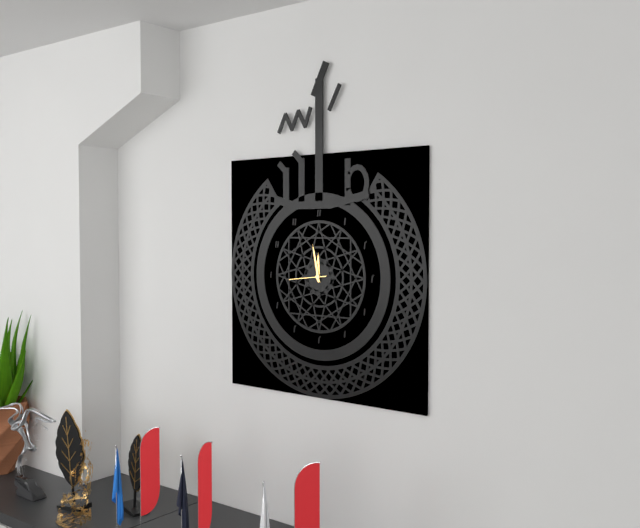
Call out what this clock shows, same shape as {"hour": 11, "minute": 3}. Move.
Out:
{"hour": 11, "minute": 58}
